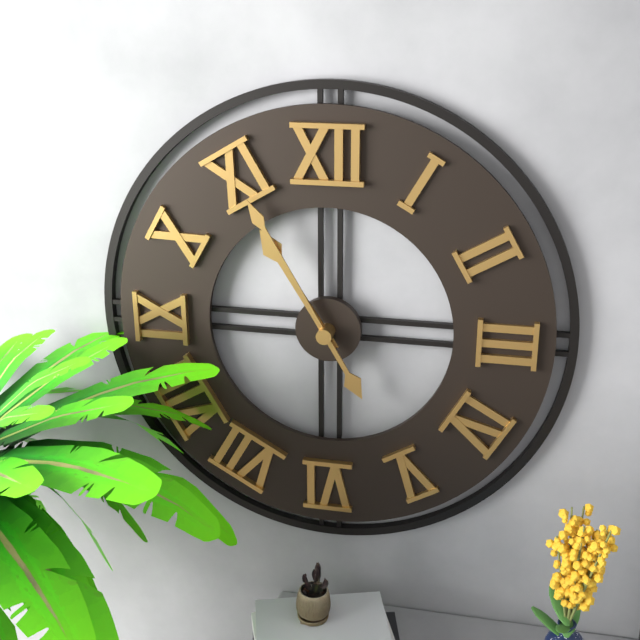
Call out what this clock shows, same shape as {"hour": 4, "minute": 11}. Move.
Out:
{"hour": 10, "minute": 55}
